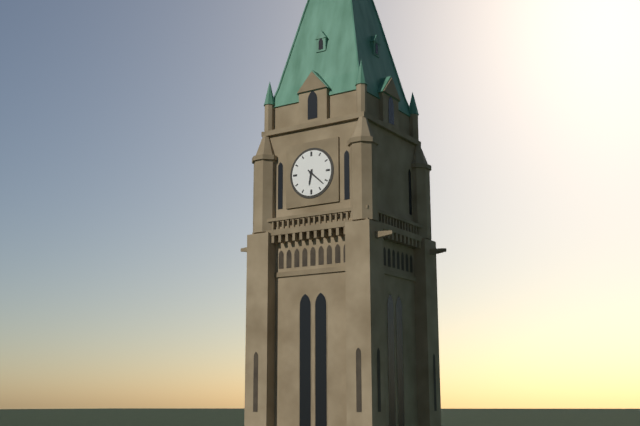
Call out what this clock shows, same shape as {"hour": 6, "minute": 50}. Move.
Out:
{"hour": 6, "minute": 22}
